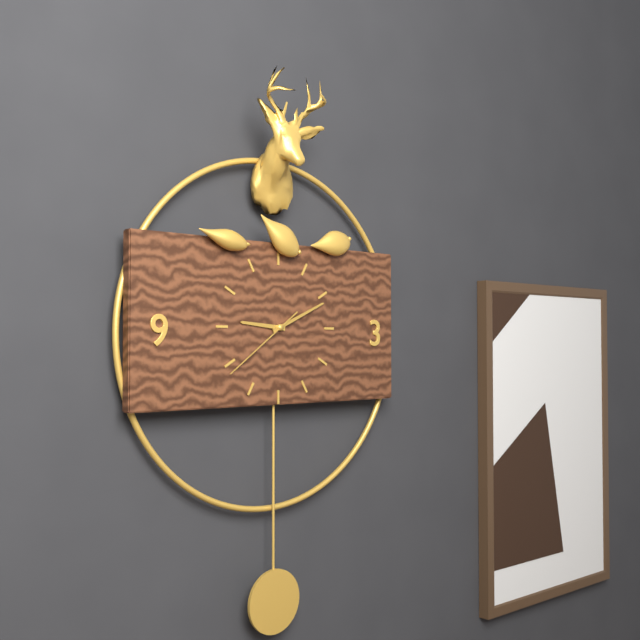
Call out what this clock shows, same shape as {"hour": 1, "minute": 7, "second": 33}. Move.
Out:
{"hour": 9, "minute": 11, "second": 39}
